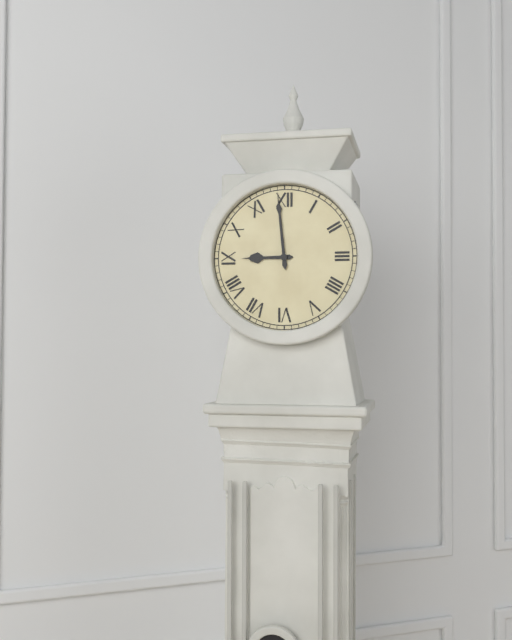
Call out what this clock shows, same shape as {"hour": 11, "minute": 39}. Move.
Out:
{"hour": 8, "minute": 59}
